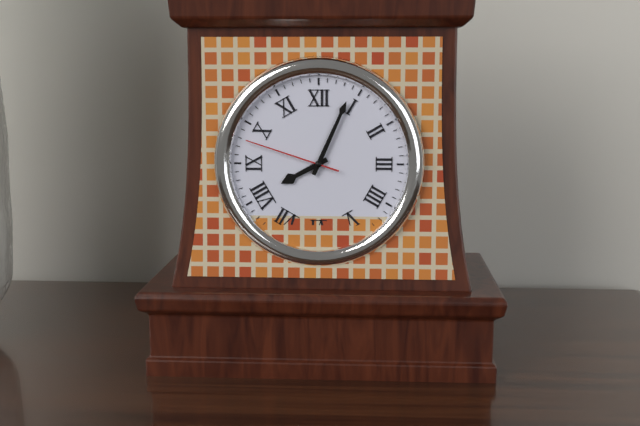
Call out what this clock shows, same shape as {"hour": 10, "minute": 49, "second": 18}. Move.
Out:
{"hour": 8, "minute": 4, "second": 48}
